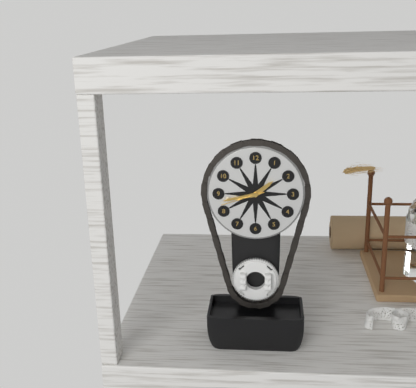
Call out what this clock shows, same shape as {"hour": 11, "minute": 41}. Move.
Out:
{"hour": 1, "minute": 43}
